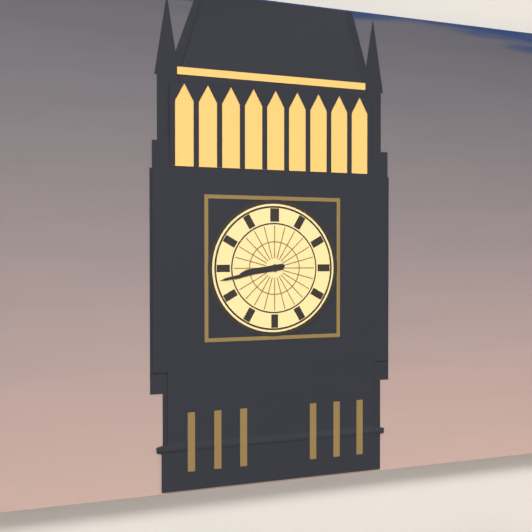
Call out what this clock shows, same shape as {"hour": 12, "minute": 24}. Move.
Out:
{"hour": 8, "minute": 43}
